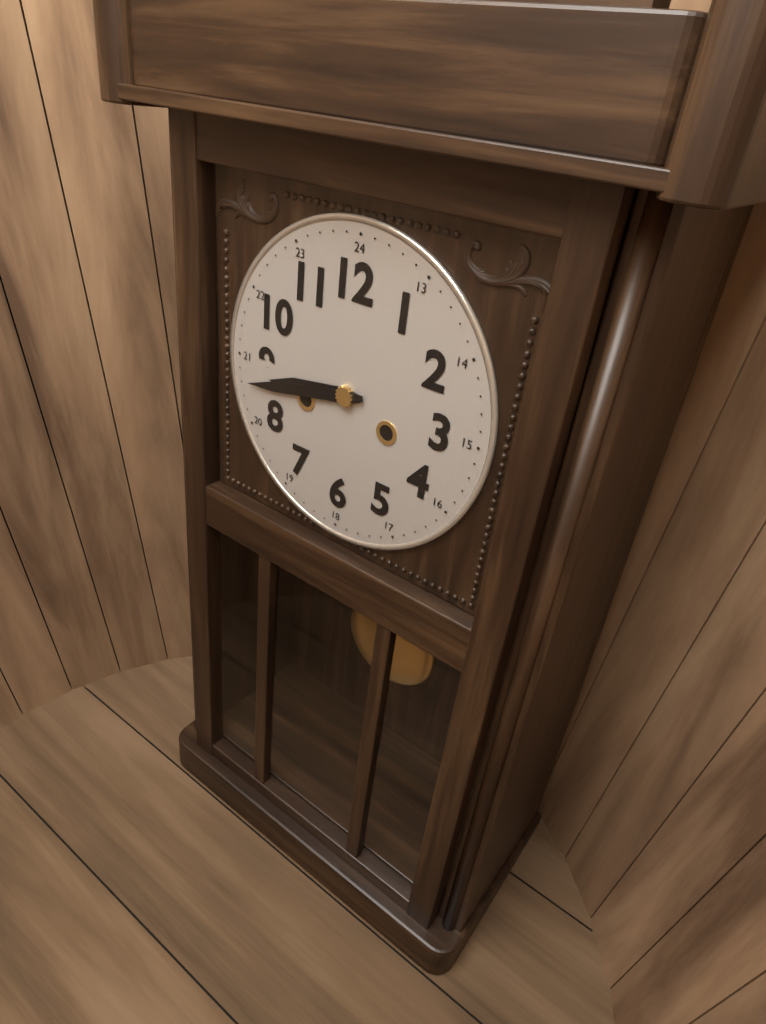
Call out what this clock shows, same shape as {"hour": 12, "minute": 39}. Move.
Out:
{"hour": 8, "minute": 43}
